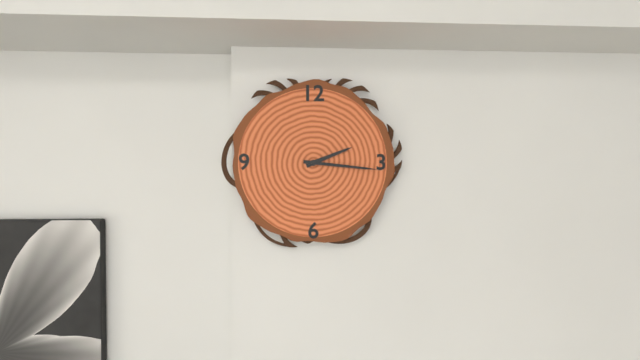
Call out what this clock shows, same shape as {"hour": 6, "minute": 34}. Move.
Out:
{"hour": 2, "minute": 16}
